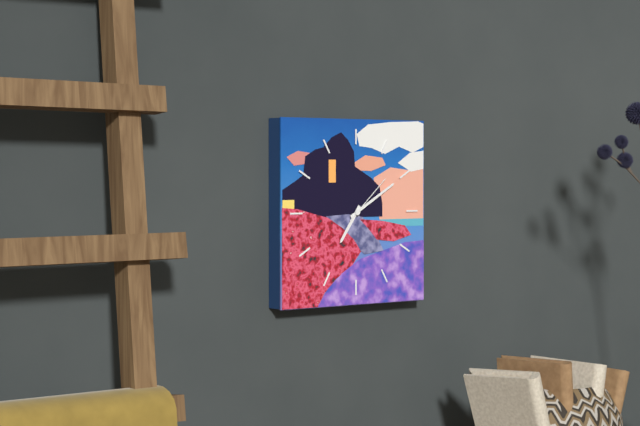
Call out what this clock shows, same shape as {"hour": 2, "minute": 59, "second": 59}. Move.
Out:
{"hour": 7, "minute": 10, "second": 8}
